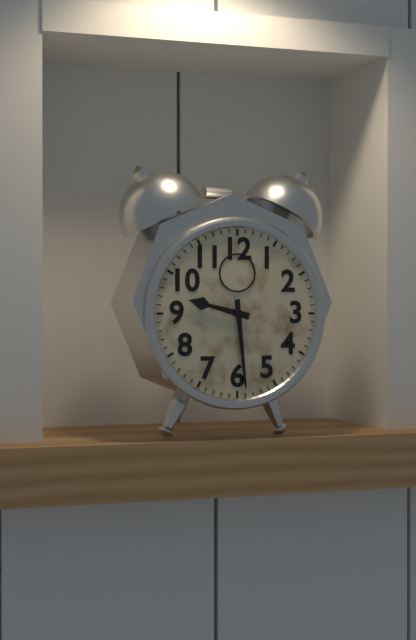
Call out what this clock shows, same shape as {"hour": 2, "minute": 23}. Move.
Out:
{"hour": 9, "minute": 29}
